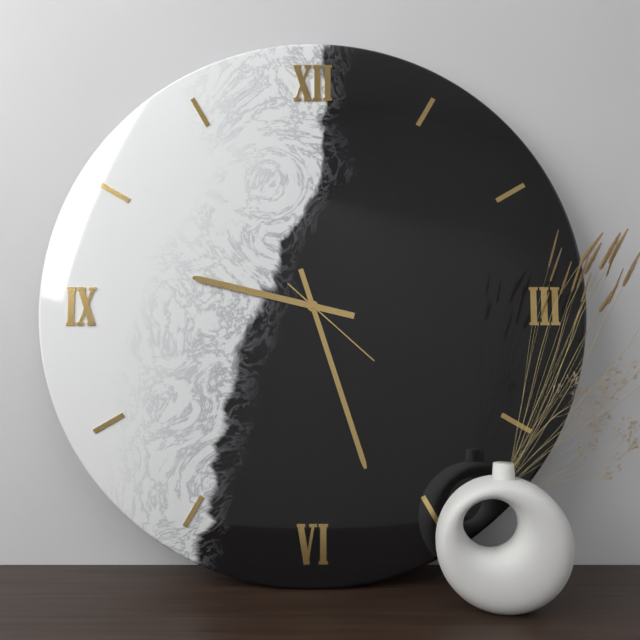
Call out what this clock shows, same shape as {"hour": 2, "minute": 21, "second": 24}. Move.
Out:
{"hour": 9, "minute": 27, "second": 22}
